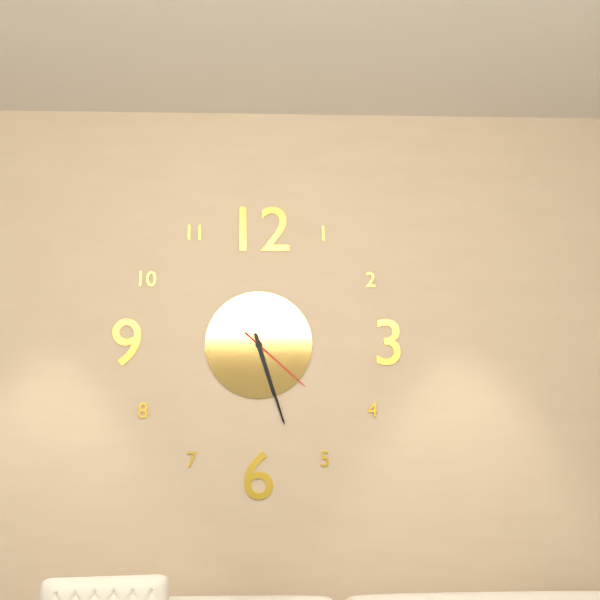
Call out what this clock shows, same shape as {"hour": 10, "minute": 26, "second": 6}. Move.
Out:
{"hour": 5, "minute": 27, "second": 22}
